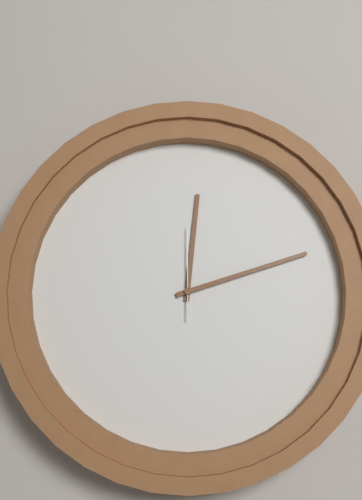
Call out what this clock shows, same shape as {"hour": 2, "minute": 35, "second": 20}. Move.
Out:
{"hour": 12, "minute": 12, "second": 0}
